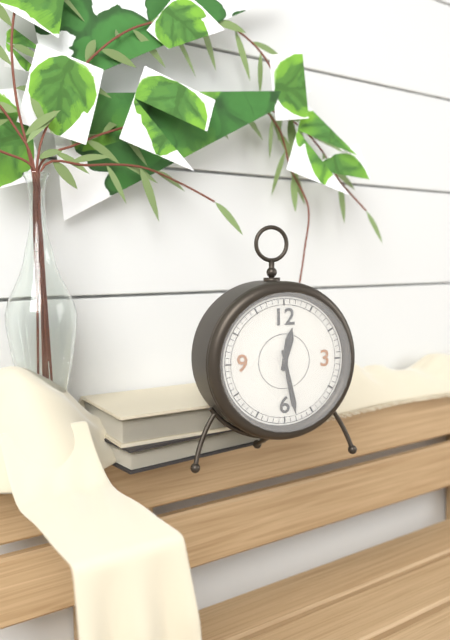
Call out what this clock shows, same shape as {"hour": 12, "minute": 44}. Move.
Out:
{"hour": 12, "minute": 28}
